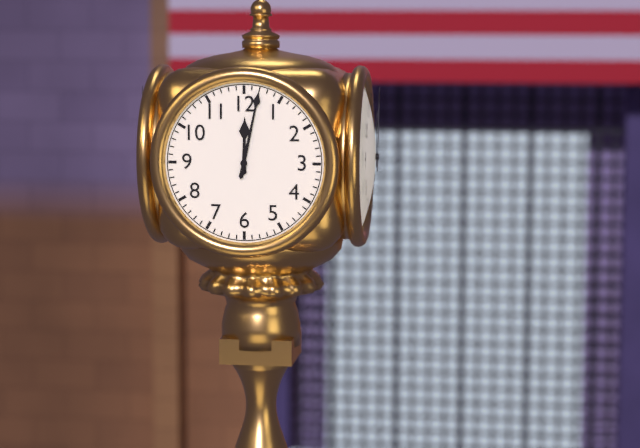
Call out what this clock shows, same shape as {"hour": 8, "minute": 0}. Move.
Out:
{"hour": 12, "minute": 2}
